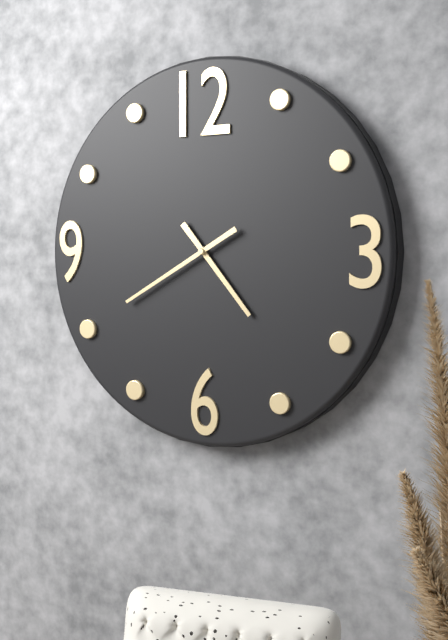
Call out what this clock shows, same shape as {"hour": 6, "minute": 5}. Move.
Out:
{"hour": 4, "minute": 40}
